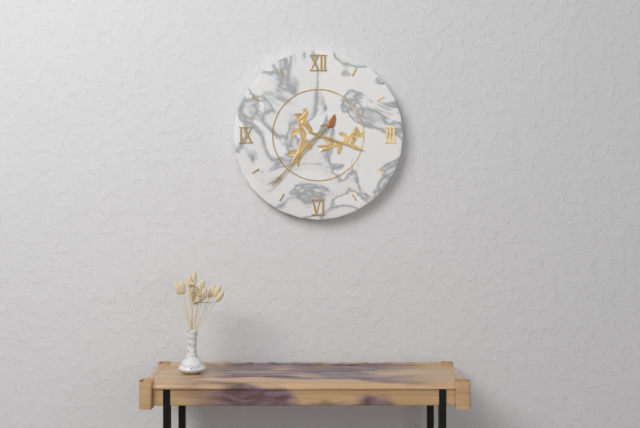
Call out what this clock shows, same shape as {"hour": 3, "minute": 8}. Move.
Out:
{"hour": 3, "minute": 37}
